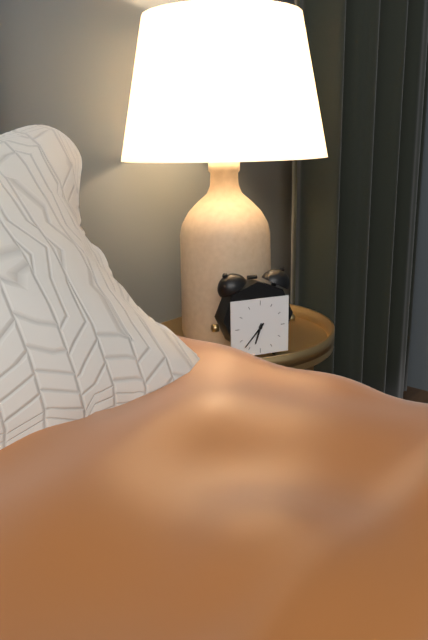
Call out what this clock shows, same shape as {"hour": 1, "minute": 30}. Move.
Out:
{"hour": 6, "minute": 37}
